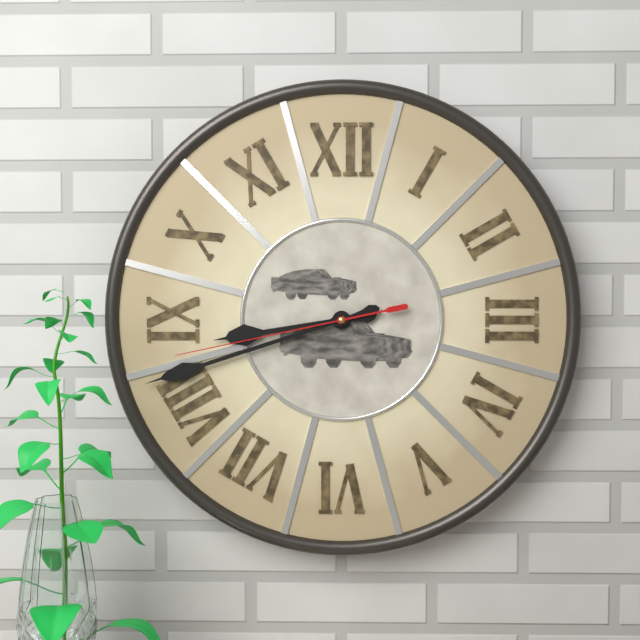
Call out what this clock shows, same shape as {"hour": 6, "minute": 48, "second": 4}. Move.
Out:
{"hour": 8, "minute": 42, "second": 43}
